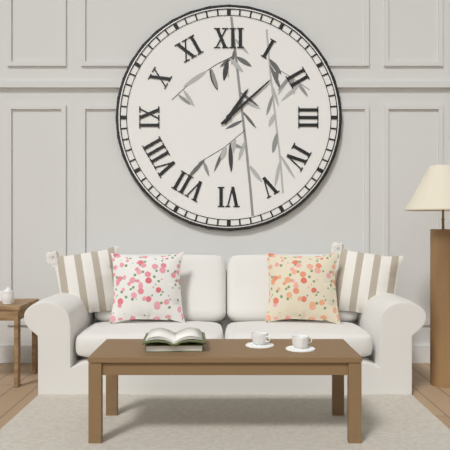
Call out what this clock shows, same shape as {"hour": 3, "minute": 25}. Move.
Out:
{"hour": 1, "minute": 8}
